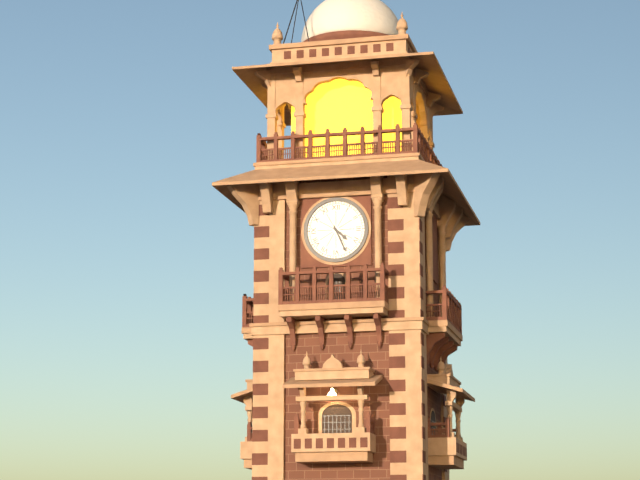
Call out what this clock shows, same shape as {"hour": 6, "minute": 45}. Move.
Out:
{"hour": 4, "minute": 26}
